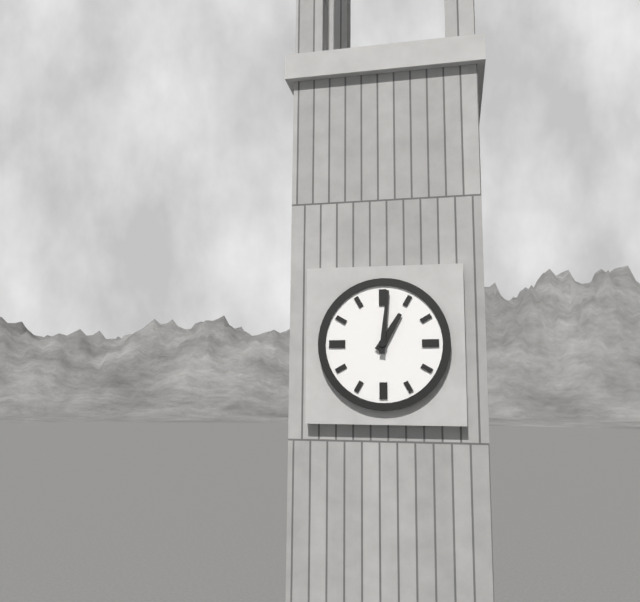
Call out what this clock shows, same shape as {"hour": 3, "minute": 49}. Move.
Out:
{"hour": 1, "minute": 1}
